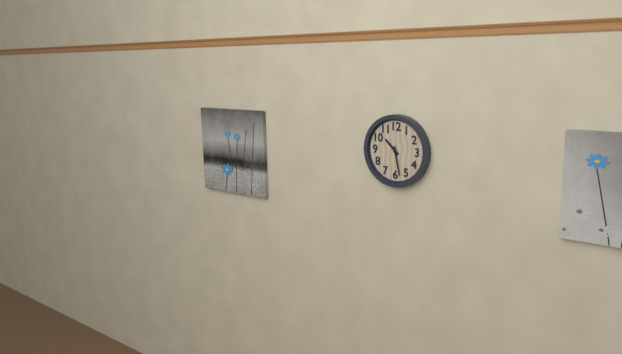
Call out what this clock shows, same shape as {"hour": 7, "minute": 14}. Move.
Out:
{"hour": 10, "minute": 28}
